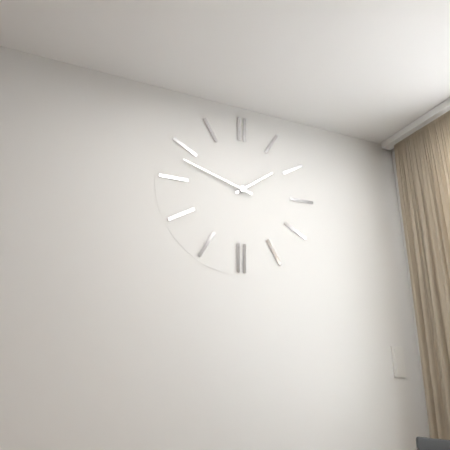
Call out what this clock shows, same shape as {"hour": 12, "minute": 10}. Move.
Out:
{"hour": 1, "minute": 48}
